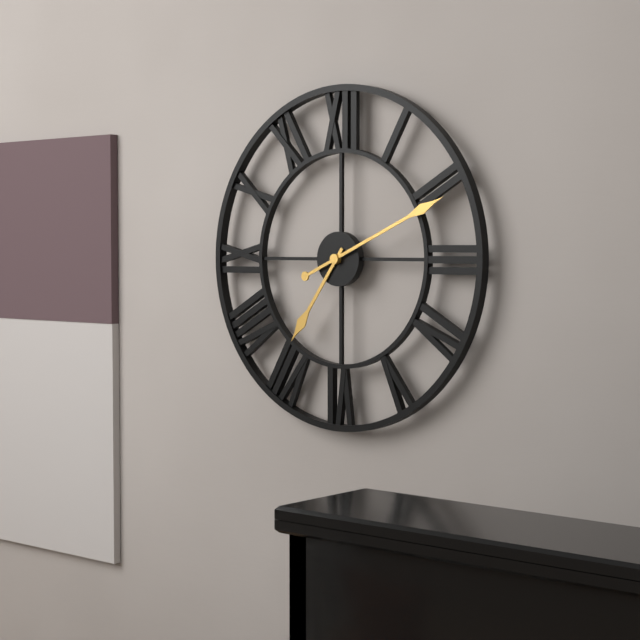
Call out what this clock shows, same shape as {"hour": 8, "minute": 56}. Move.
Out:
{"hour": 7, "minute": 11}
